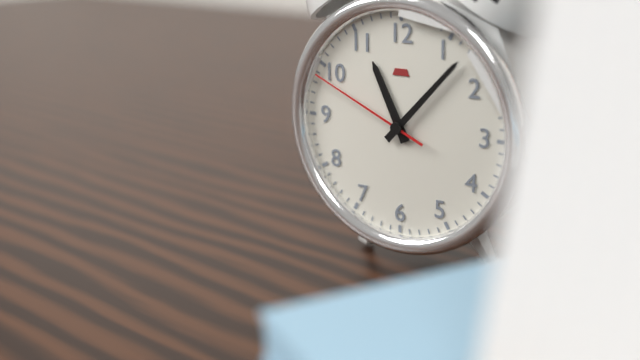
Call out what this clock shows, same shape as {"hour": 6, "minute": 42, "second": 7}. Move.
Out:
{"hour": 11, "minute": 7, "second": 49}
